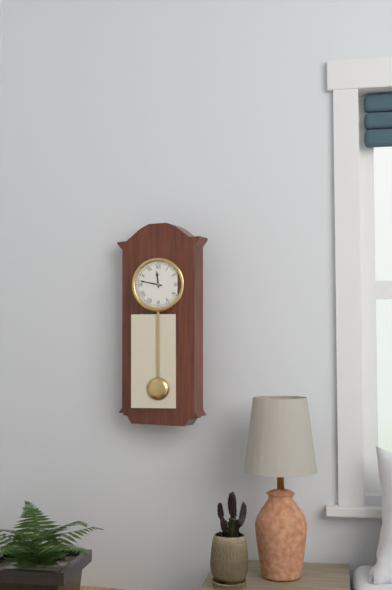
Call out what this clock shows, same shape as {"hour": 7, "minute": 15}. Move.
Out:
{"hour": 11, "minute": 47}
